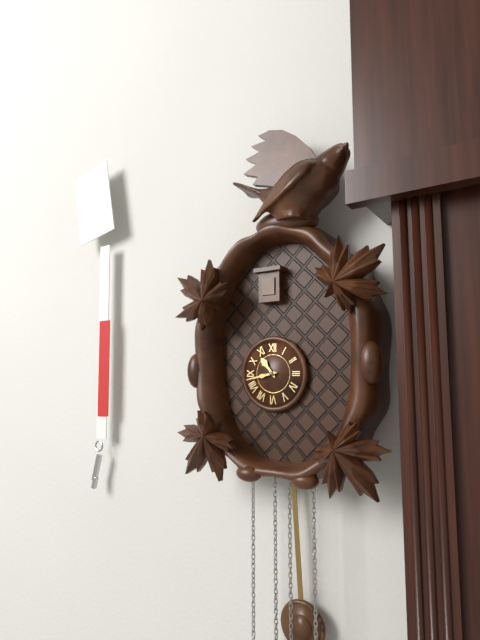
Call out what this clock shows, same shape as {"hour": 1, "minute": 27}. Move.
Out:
{"hour": 10, "minute": 43}
